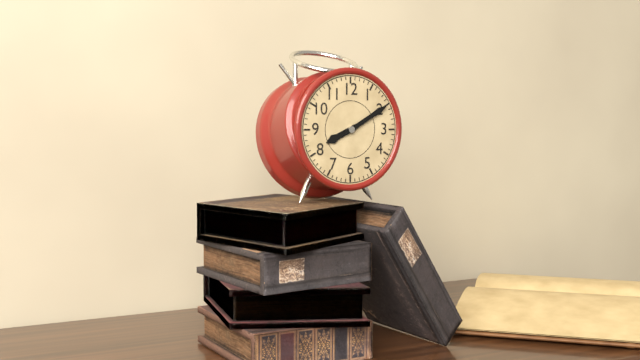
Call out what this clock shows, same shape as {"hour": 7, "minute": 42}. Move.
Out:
{"hour": 8, "minute": 10}
